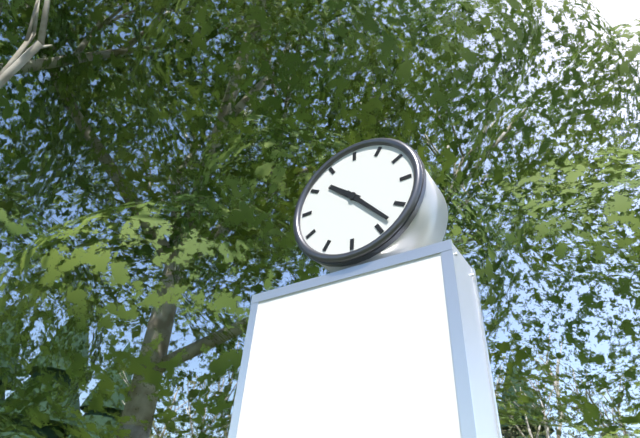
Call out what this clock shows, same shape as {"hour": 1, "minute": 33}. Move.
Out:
{"hour": 10, "minute": 23}
